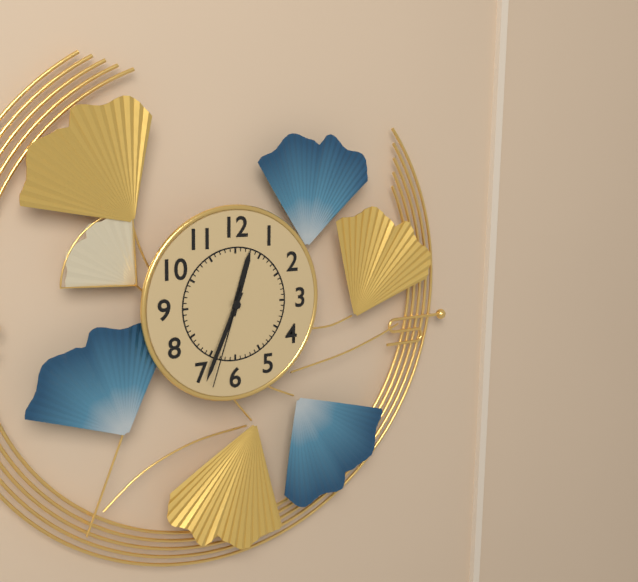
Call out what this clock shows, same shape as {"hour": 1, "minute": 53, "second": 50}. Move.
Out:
{"hour": 12, "minute": 34, "second": 33}
